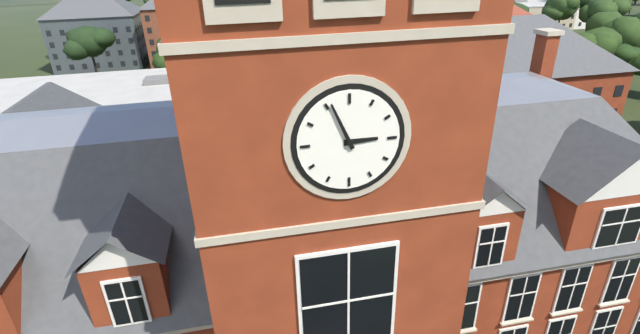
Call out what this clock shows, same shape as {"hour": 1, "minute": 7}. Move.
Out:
{"hour": 2, "minute": 56}
